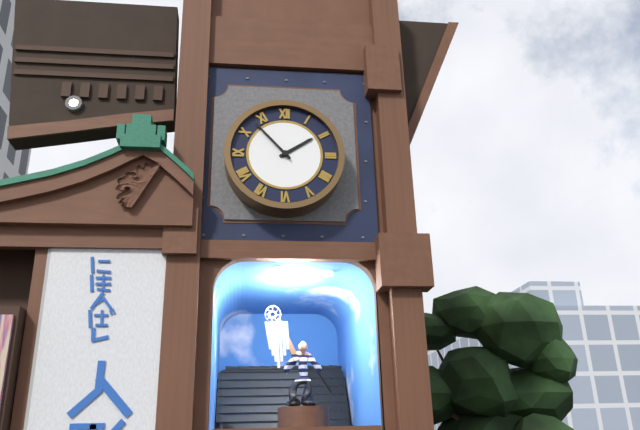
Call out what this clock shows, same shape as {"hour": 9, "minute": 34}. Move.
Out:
{"hour": 1, "minute": 53}
